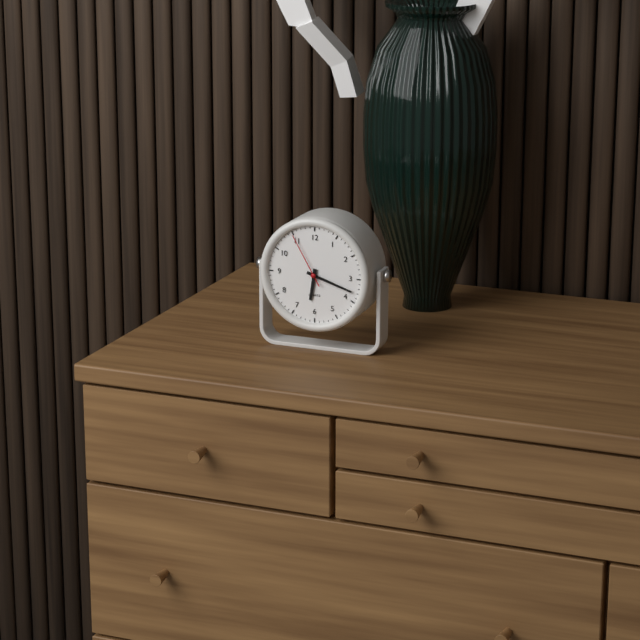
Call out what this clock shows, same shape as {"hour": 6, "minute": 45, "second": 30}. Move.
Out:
{"hour": 6, "minute": 18, "second": 55}
